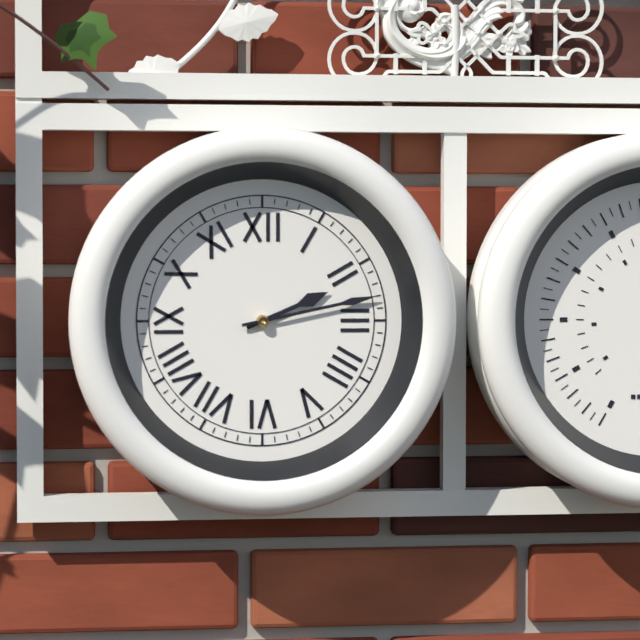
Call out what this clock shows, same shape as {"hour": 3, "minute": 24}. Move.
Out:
{"hour": 2, "minute": 13}
